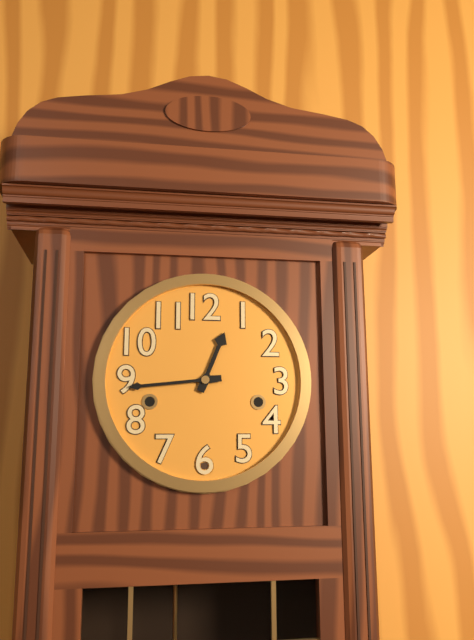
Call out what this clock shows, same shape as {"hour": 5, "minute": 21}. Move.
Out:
{"hour": 12, "minute": 44}
